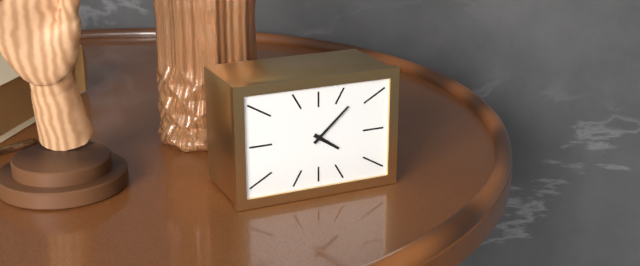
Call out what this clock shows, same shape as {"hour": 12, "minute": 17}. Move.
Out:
{"hour": 4, "minute": 8}
